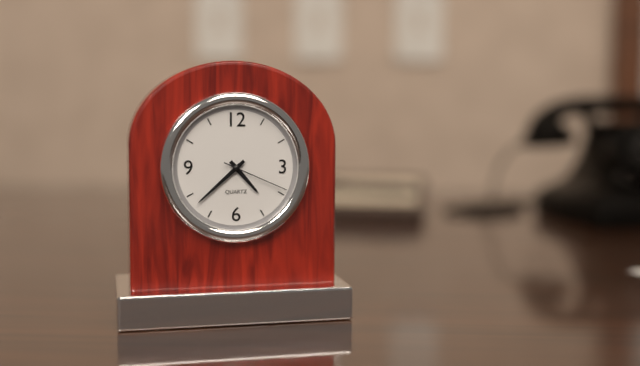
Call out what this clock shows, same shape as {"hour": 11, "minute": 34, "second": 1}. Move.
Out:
{"hour": 4, "minute": 38, "second": 19}
